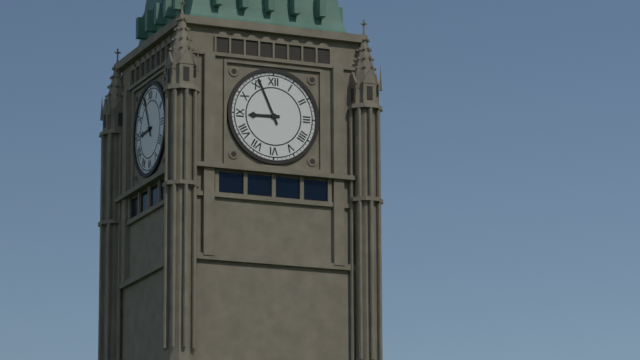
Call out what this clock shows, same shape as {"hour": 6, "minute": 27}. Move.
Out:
{"hour": 8, "minute": 56}
